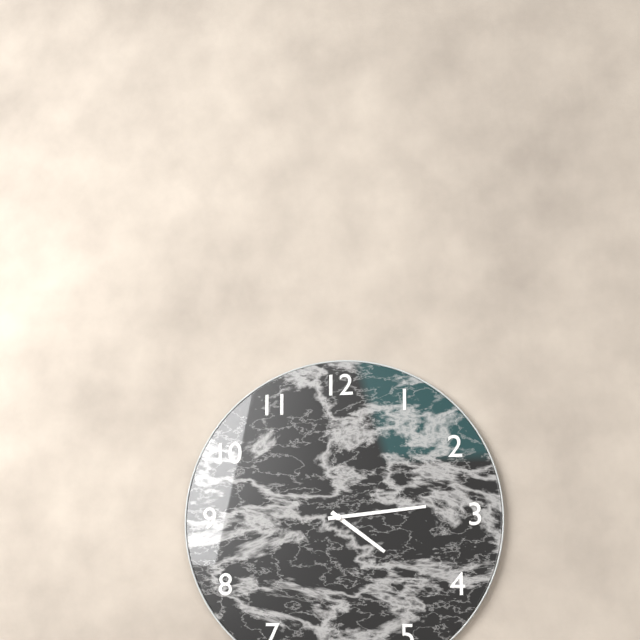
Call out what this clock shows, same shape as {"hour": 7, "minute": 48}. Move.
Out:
{"hour": 4, "minute": 14}
